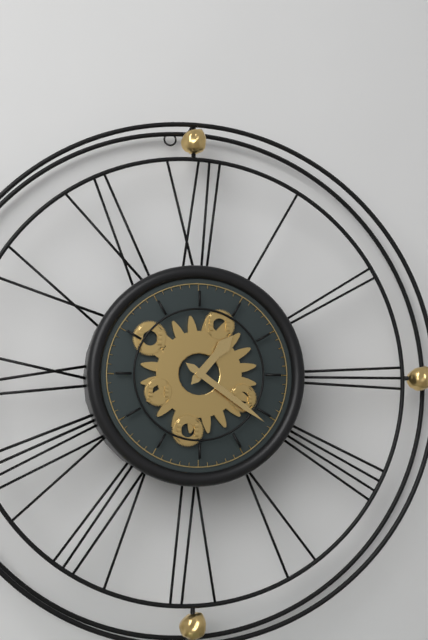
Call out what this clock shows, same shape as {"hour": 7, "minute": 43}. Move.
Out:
{"hour": 1, "minute": 21}
